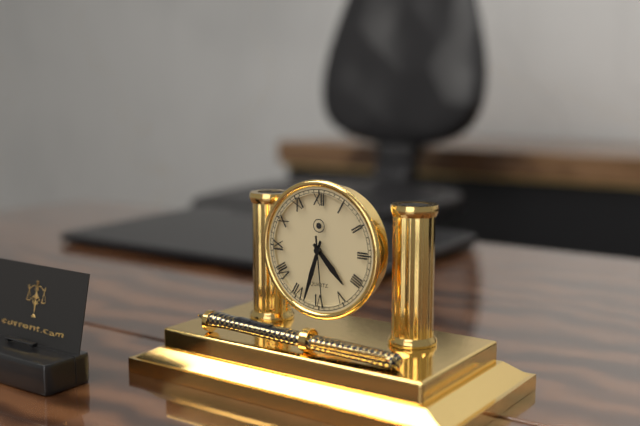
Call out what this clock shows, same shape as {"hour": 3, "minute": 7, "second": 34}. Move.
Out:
{"hour": 4, "minute": 33, "second": 29}
